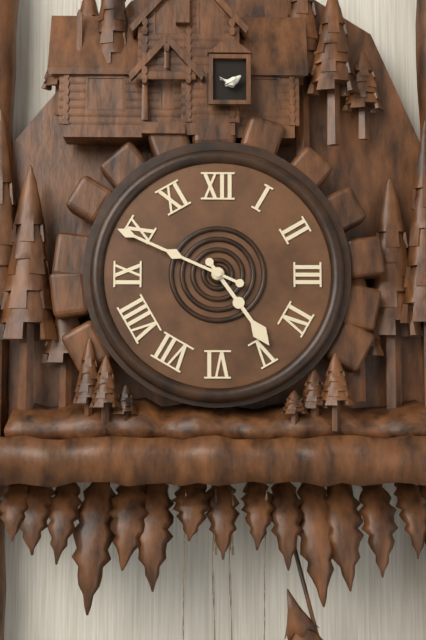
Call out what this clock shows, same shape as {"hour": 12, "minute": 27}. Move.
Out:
{"hour": 4, "minute": 49}
